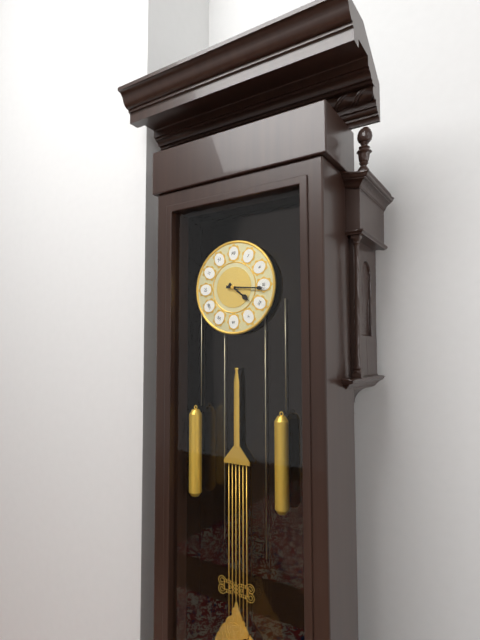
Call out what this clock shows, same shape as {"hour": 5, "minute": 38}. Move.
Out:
{"hour": 4, "minute": 16}
